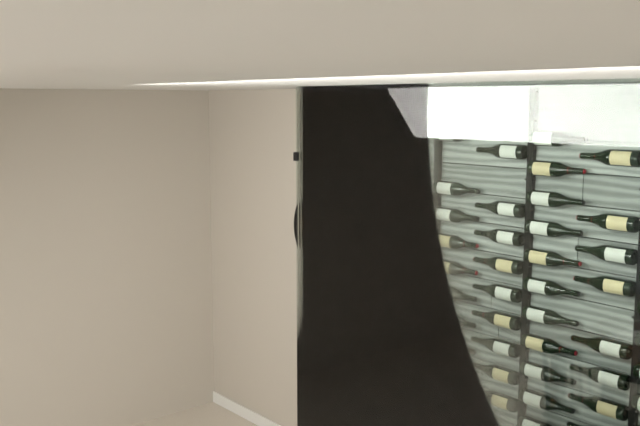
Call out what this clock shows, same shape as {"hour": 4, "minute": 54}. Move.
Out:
{"hour": 4, "minute": 38}
